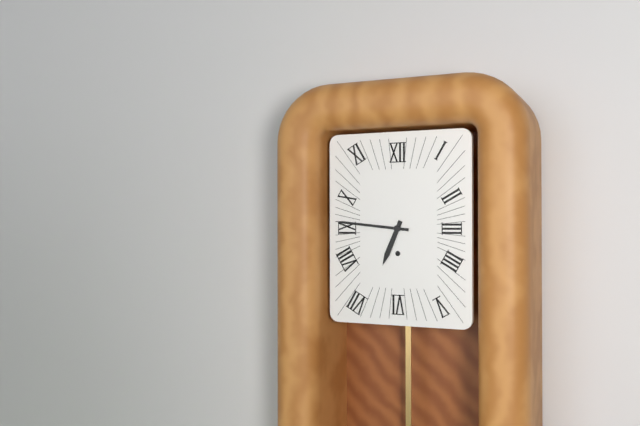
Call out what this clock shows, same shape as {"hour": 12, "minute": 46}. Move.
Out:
{"hour": 6, "minute": 46}
